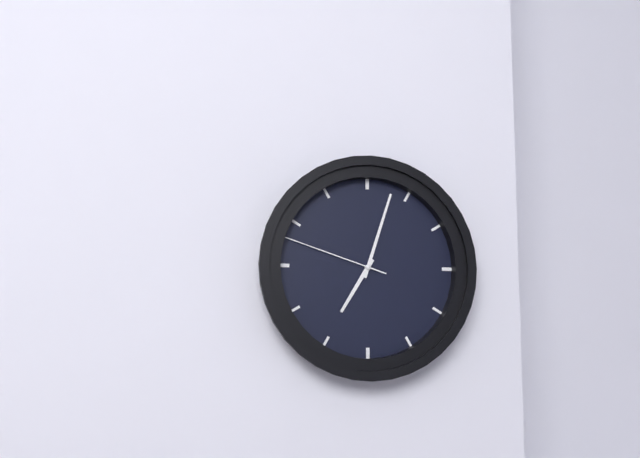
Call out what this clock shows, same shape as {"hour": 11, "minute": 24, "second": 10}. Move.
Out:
{"hour": 7, "minute": 3, "second": 48}
